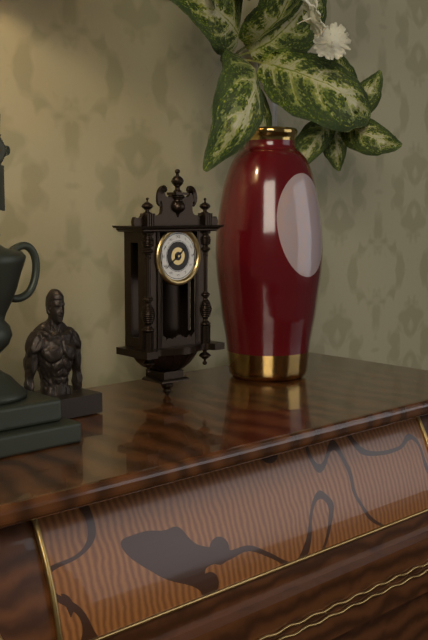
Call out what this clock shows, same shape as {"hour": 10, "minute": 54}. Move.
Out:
{"hour": 1, "minute": 39}
